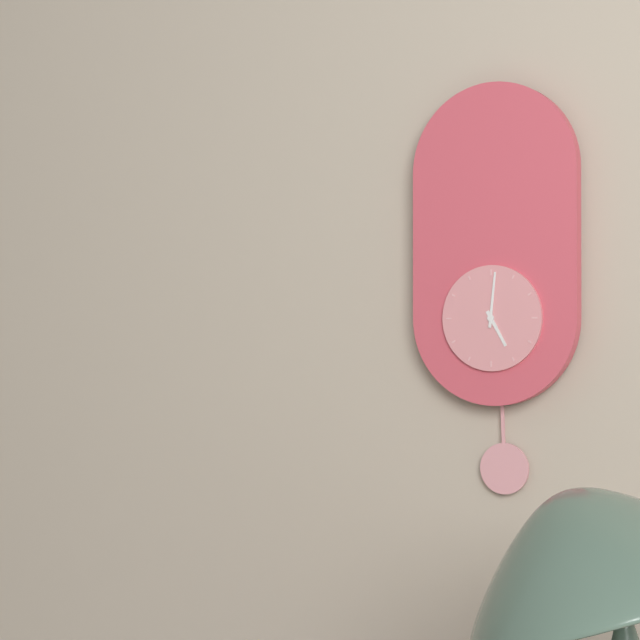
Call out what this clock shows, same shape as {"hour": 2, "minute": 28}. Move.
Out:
{"hour": 5, "minute": 1}
